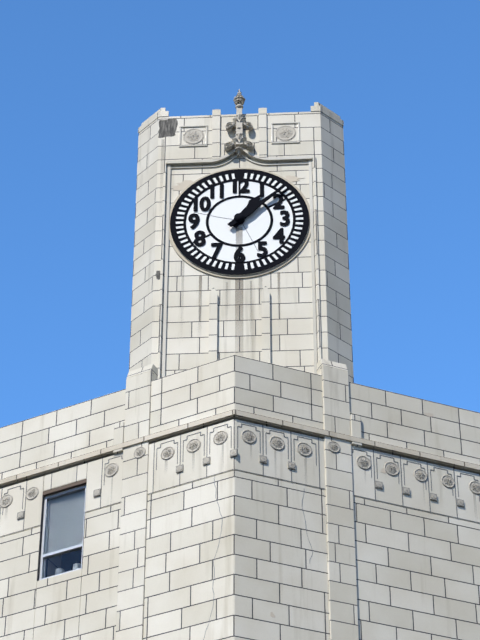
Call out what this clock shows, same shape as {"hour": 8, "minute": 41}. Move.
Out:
{"hour": 1, "minute": 8}
